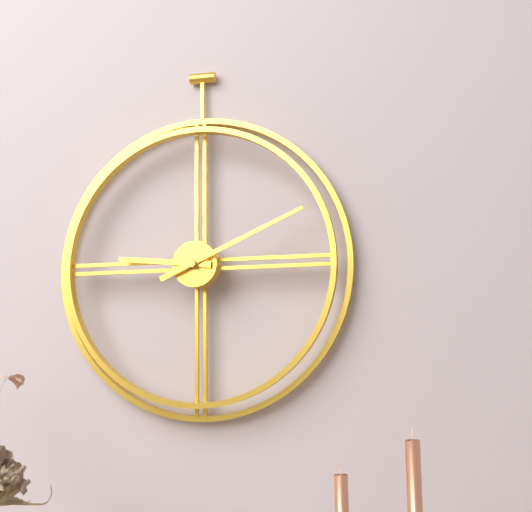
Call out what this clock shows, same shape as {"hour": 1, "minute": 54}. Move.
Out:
{"hour": 9, "minute": 11}
